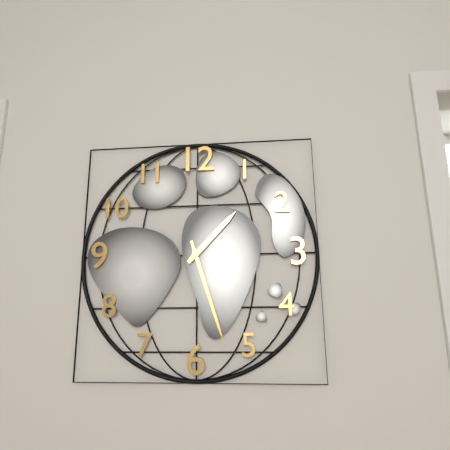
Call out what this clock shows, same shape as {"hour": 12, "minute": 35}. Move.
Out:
{"hour": 1, "minute": 27}
